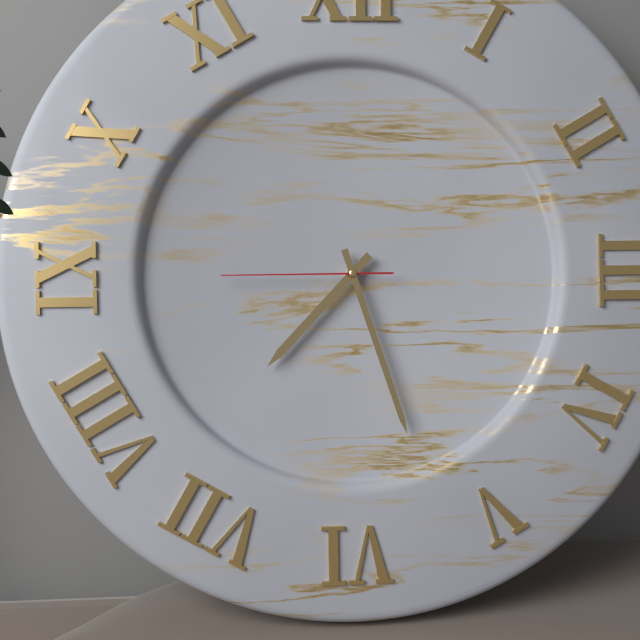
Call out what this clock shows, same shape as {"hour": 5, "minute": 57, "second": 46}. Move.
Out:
{"hour": 7, "minute": 27, "second": 45}
